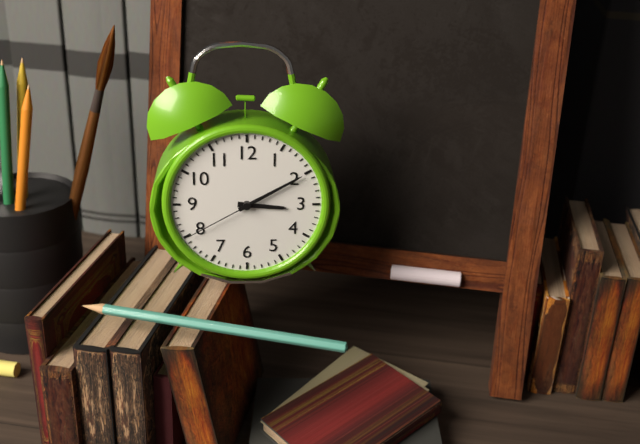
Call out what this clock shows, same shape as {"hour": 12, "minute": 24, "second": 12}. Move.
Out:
{"hour": 3, "minute": 10, "second": 40}
